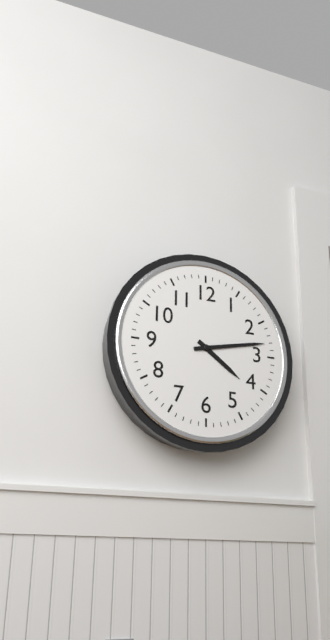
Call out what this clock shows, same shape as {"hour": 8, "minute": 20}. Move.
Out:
{"hour": 4, "minute": 13}
